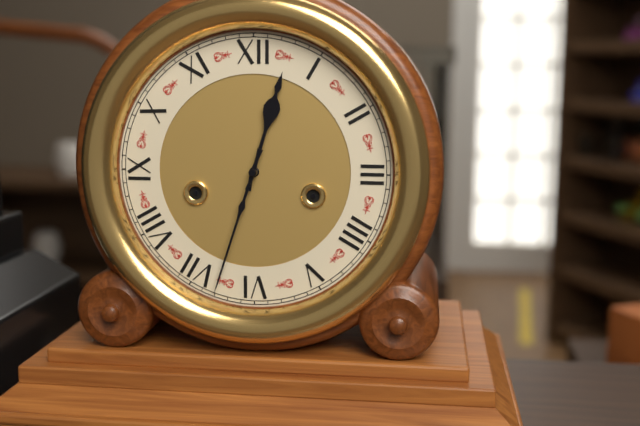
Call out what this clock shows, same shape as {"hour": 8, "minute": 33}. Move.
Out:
{"hour": 12, "minute": 33}
